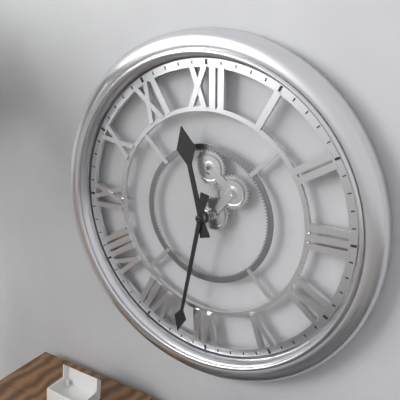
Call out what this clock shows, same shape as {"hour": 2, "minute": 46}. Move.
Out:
{"hour": 11, "minute": 32}
